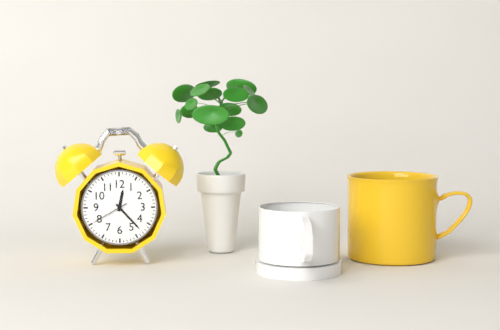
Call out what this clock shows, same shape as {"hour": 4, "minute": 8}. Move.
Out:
{"hour": 12, "minute": 23}
